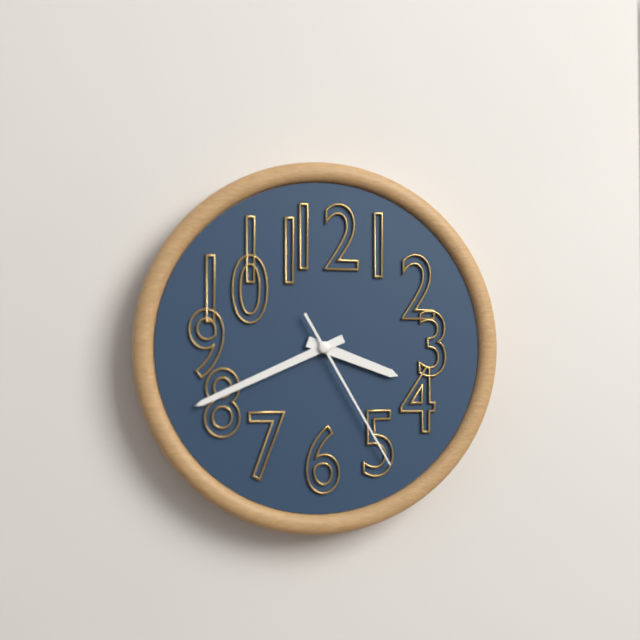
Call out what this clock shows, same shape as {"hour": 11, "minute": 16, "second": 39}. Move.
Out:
{"hour": 3, "minute": 41, "second": 25}
